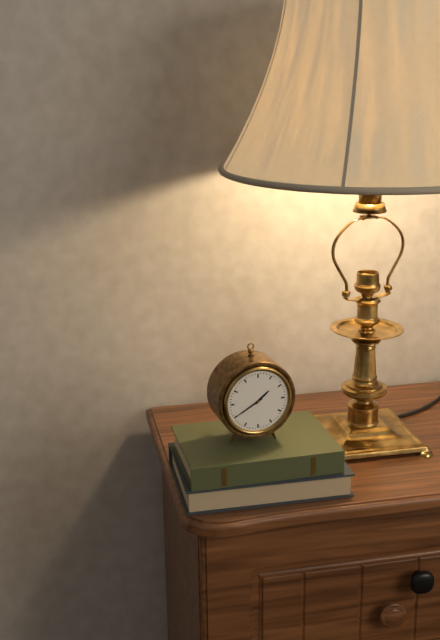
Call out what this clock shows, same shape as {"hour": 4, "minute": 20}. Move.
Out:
{"hour": 1, "minute": 40}
